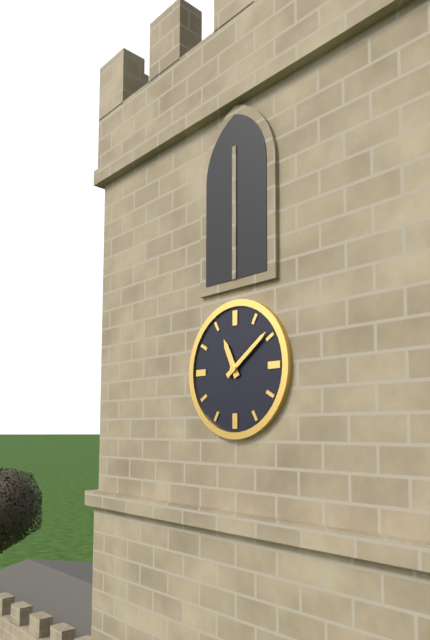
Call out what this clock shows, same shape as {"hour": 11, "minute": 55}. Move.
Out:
{"hour": 11, "minute": 9}
